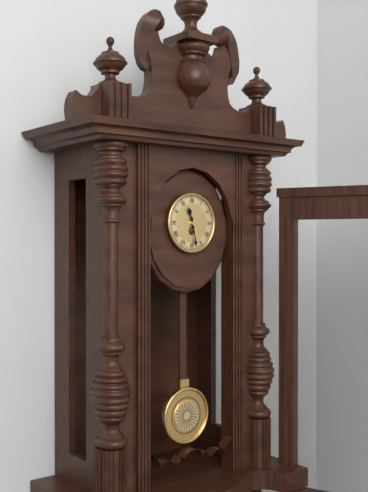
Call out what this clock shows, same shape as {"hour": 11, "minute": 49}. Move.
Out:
{"hour": 11, "minute": 28}
